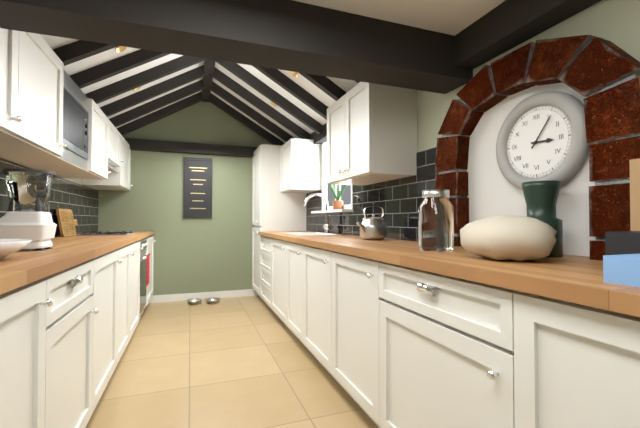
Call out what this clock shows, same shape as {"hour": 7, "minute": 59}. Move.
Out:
{"hour": 3, "minute": 6}
